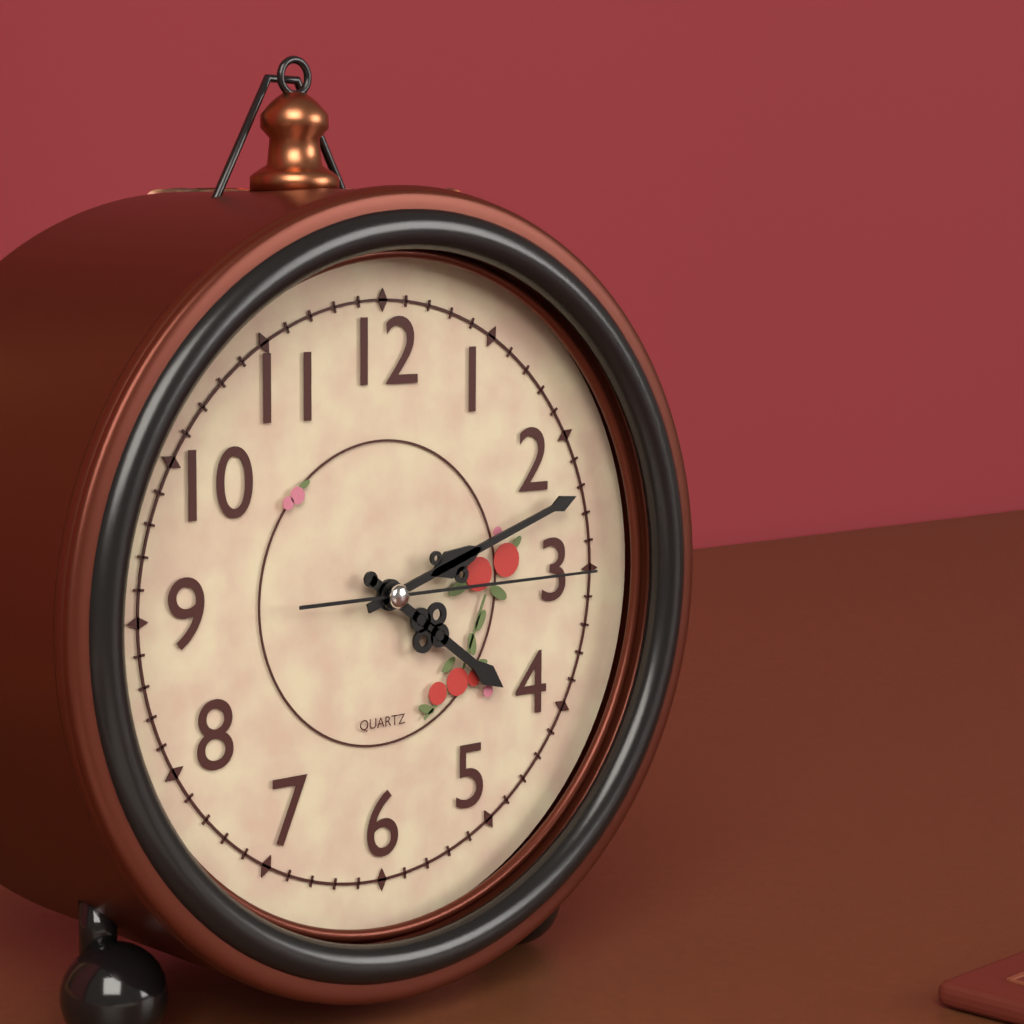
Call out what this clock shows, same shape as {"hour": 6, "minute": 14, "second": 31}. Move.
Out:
{"hour": 4, "minute": 12, "second": 15}
